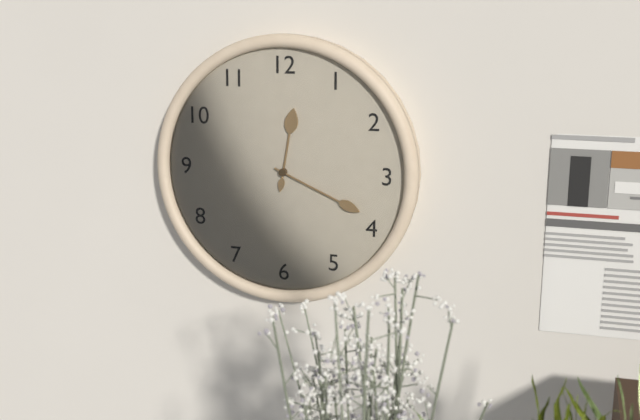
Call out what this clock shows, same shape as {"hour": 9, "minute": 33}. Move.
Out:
{"hour": 12, "minute": 19}
